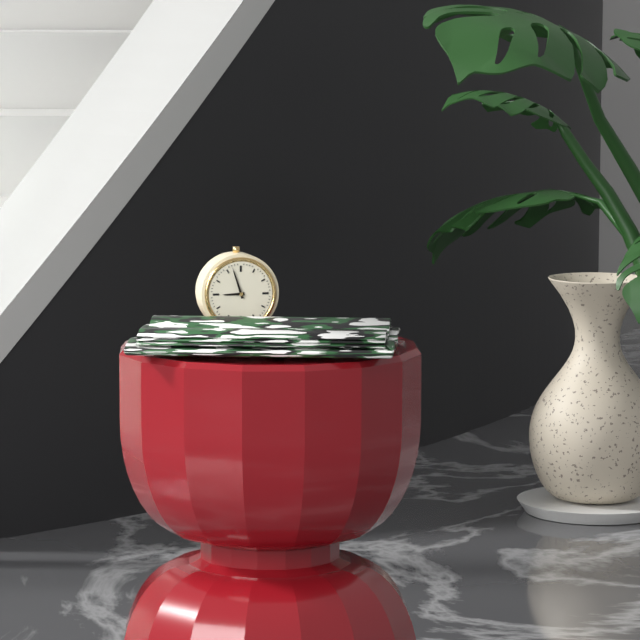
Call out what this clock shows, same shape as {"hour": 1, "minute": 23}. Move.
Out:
{"hour": 8, "minute": 57}
